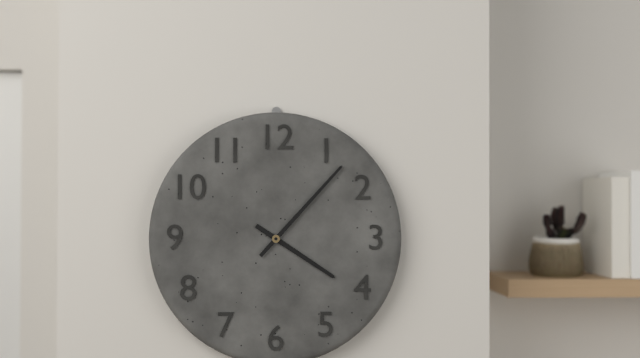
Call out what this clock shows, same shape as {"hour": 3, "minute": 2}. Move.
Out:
{"hour": 4, "minute": 7}
